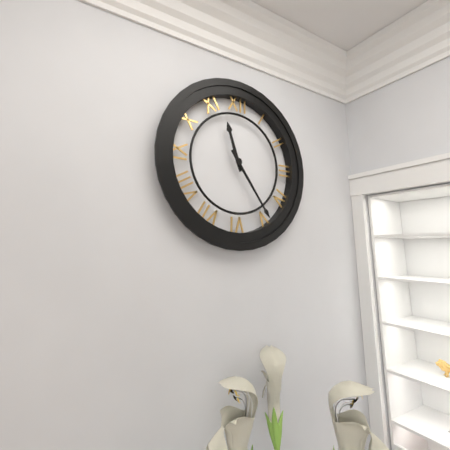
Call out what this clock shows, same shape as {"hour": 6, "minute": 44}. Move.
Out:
{"hour": 11, "minute": 24}
